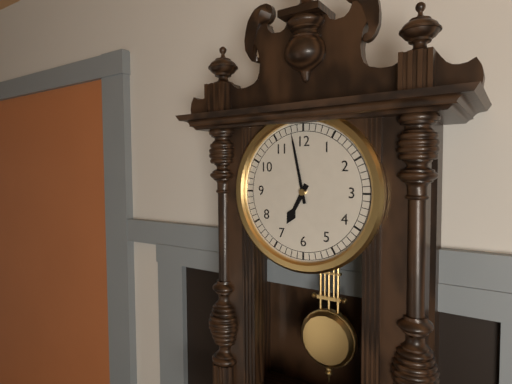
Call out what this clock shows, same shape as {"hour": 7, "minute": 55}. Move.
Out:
{"hour": 6, "minute": 58}
